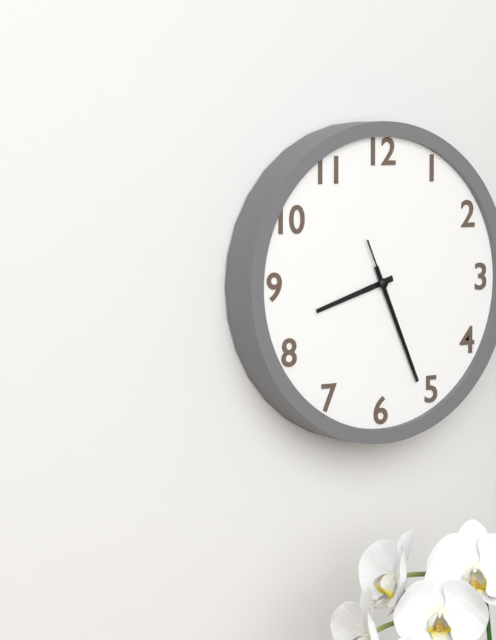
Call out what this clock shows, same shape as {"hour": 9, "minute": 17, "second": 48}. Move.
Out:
{"hour": 8, "minute": 26, "second": 26}
